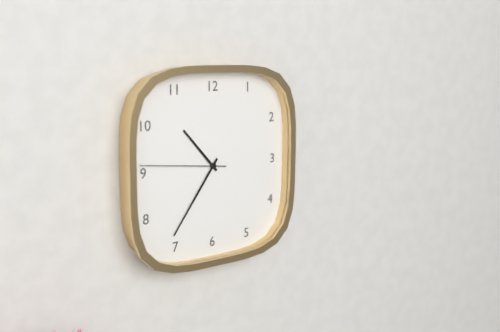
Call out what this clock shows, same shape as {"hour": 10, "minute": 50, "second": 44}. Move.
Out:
{"hour": 10, "minute": 36, "second": 46}
